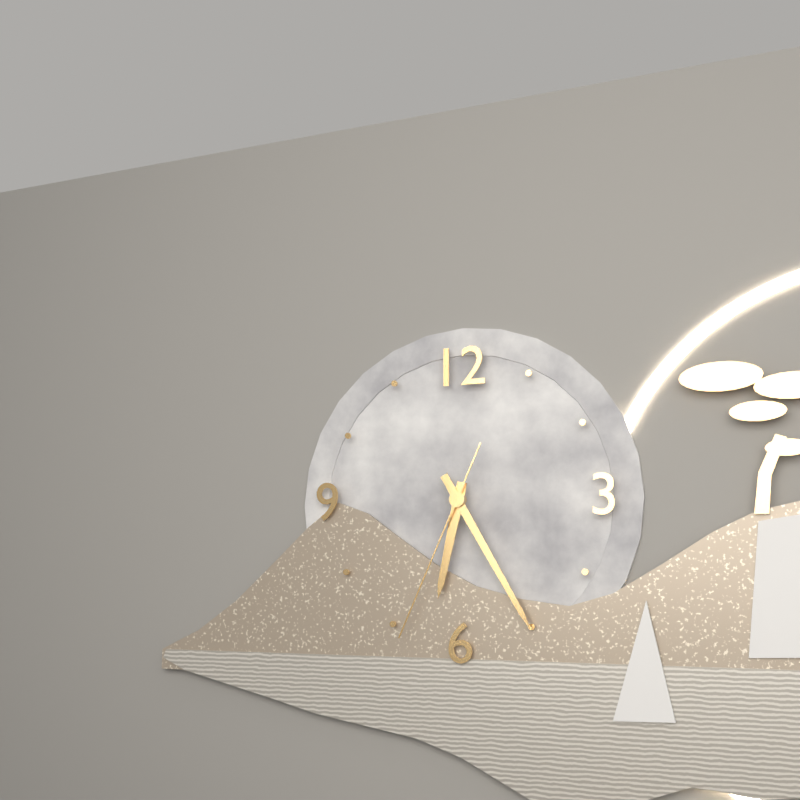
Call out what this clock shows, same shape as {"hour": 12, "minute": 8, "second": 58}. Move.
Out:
{"hour": 6, "minute": 25, "second": 34}
